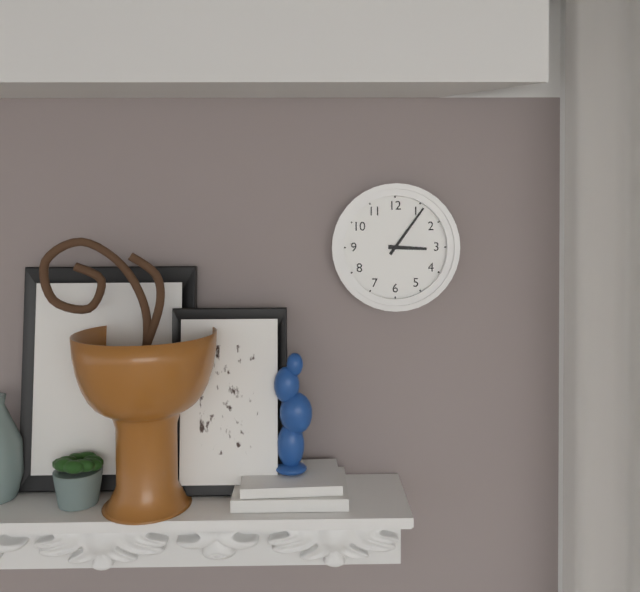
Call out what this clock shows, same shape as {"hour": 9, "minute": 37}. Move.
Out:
{"hour": 3, "minute": 6}
